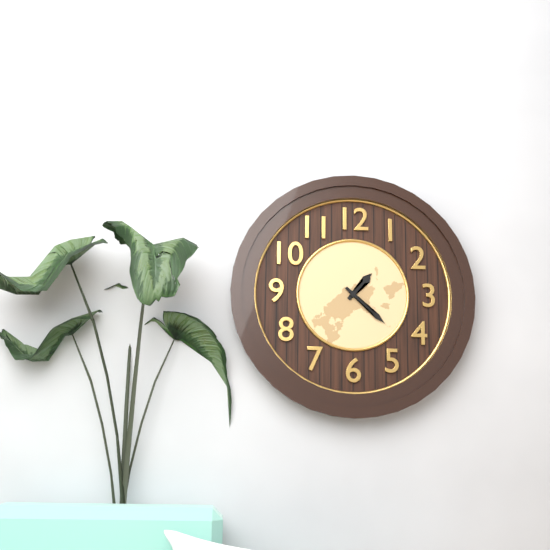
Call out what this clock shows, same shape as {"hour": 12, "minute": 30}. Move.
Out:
{"hour": 1, "minute": 22}
